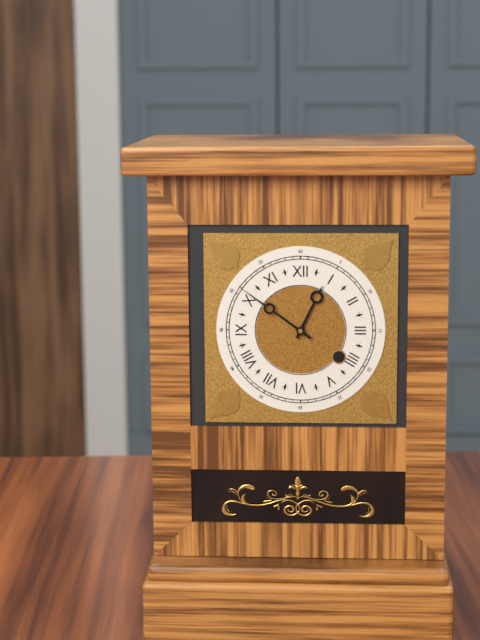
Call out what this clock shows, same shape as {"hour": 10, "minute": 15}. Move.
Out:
{"hour": 12, "minute": 51}
